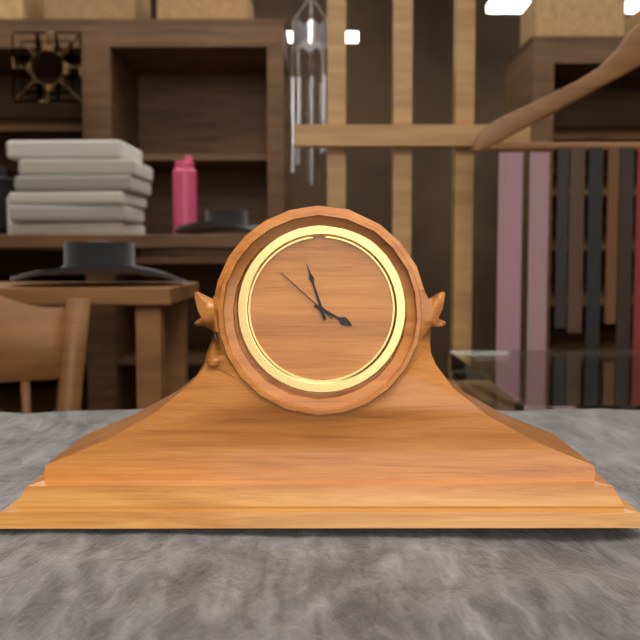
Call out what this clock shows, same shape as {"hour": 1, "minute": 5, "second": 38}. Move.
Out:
{"hour": 3, "minute": 57, "second": 52}
